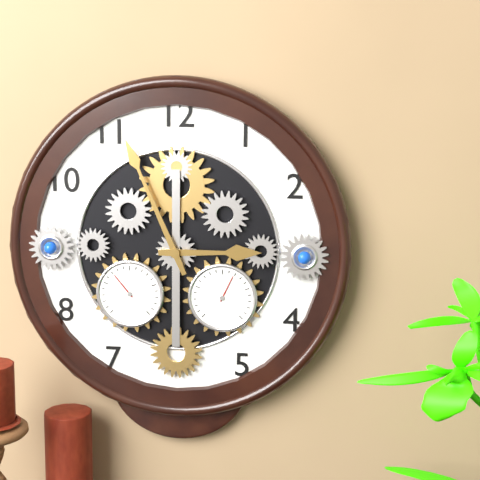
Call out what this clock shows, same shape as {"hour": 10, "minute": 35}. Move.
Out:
{"hour": 2, "minute": 56}
